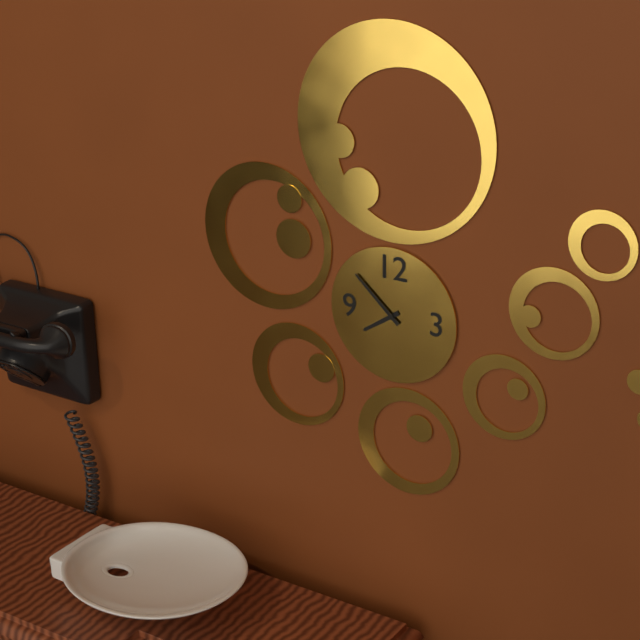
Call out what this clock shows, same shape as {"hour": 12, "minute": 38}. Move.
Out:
{"hour": 7, "minute": 52}
